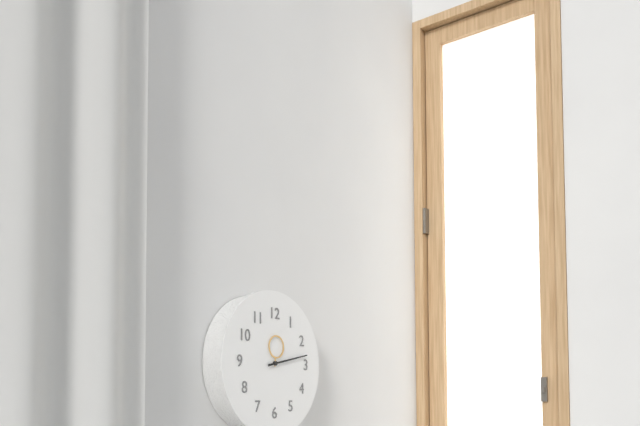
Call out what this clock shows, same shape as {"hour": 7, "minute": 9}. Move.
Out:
{"hour": 12, "minute": 13}
